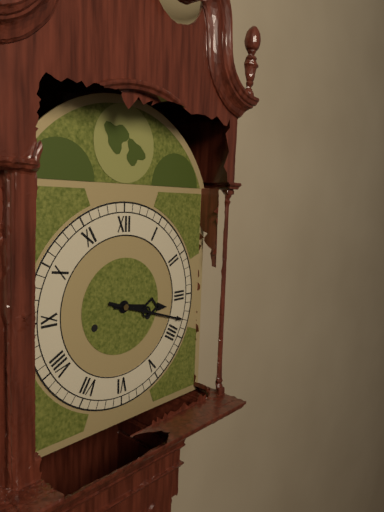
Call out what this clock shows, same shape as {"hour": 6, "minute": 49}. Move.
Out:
{"hour": 3, "minute": 18}
